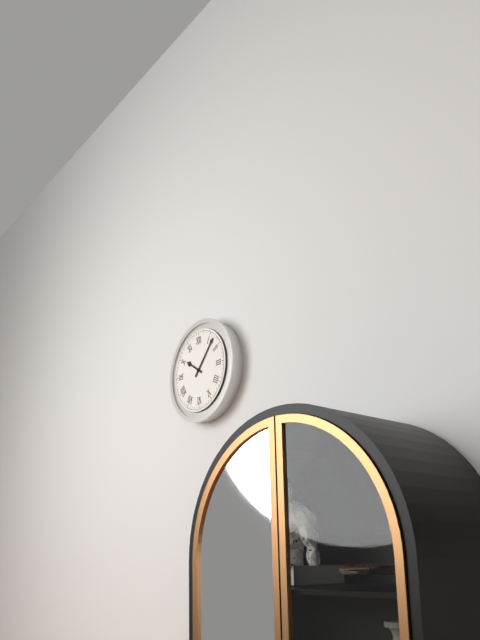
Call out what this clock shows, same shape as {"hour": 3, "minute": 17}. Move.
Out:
{"hour": 10, "minute": 7}
